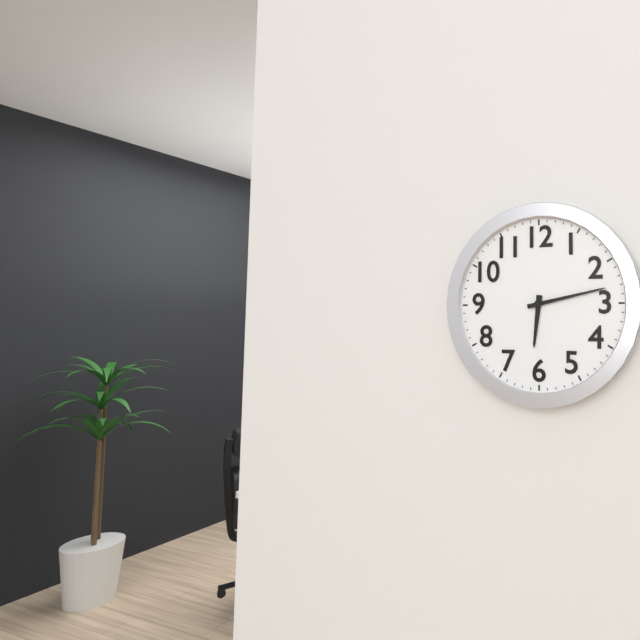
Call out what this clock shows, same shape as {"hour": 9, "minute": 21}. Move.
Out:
{"hour": 6, "minute": 13}
